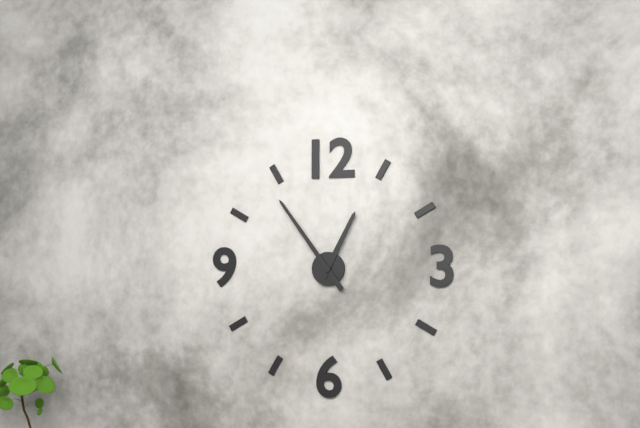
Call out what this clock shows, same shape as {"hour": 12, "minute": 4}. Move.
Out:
{"hour": 12, "minute": 54}
